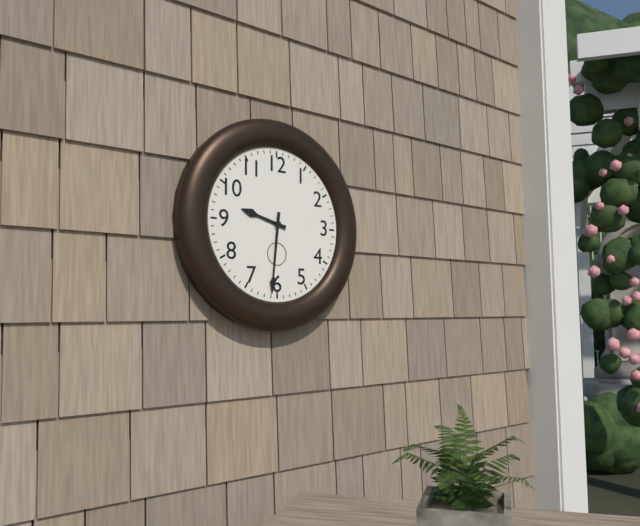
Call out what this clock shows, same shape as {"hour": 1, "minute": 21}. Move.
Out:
{"hour": 9, "minute": 31}
